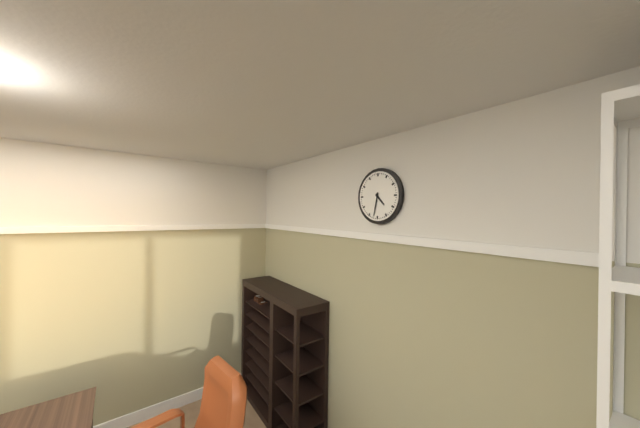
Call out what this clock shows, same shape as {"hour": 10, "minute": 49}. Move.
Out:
{"hour": 4, "minute": 32}
